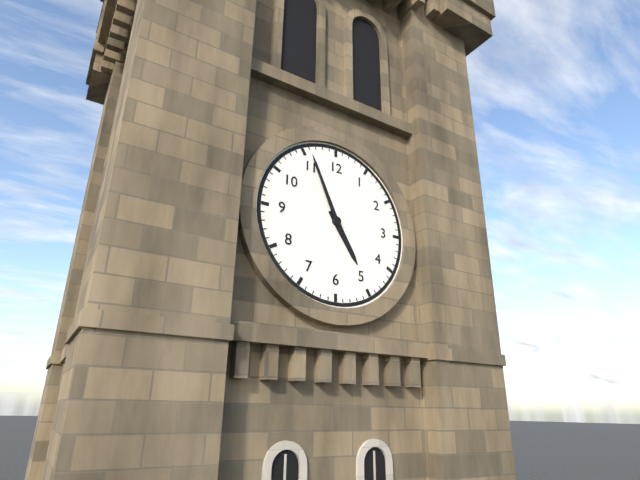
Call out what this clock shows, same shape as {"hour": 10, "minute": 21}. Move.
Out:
{"hour": 4, "minute": 56}
